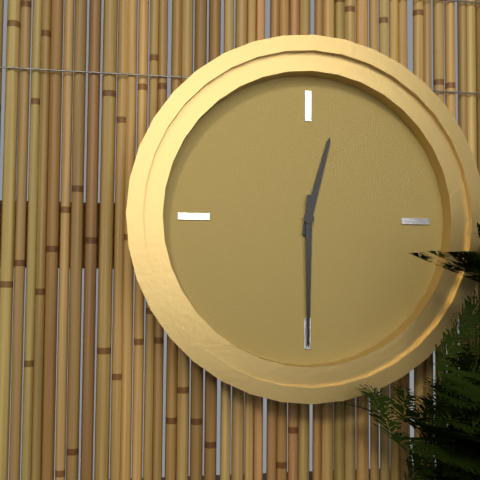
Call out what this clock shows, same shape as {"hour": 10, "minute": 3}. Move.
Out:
{"hour": 12, "minute": 30}
